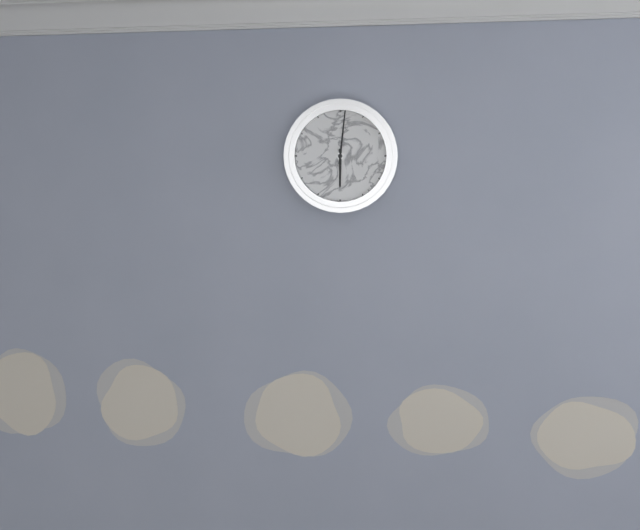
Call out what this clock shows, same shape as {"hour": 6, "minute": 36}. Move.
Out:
{"hour": 6, "minute": 1}
